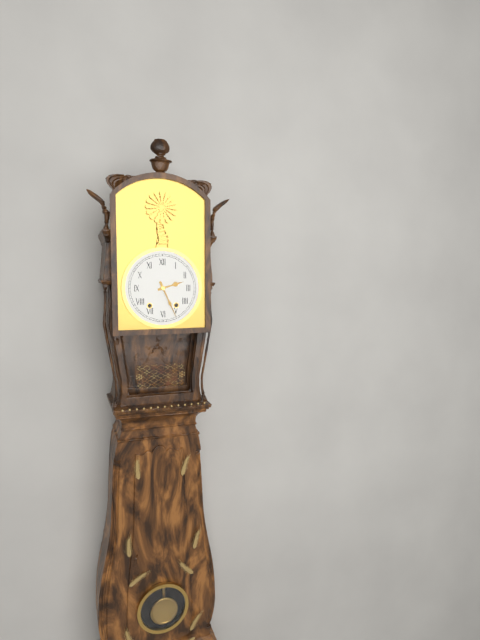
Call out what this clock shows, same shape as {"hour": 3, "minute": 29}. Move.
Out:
{"hour": 2, "minute": 26}
